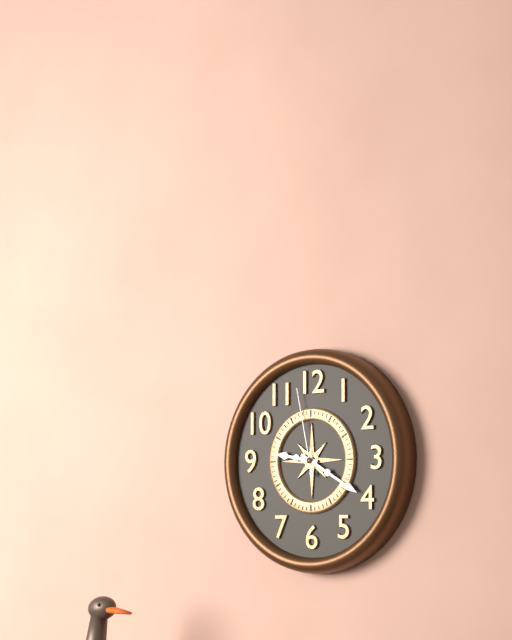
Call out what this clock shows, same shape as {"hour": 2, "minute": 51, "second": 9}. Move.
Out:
{"hour": 9, "minute": 20, "second": 58}
